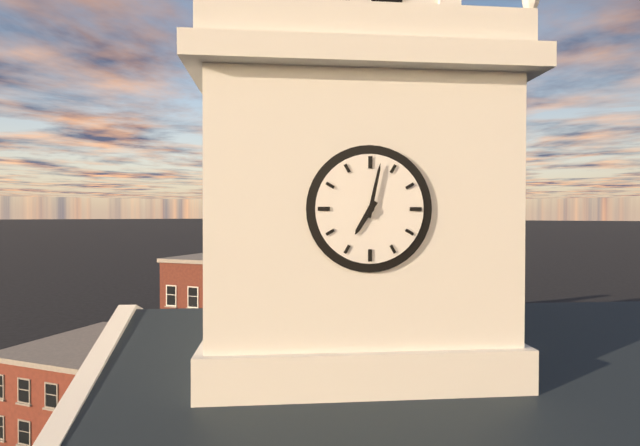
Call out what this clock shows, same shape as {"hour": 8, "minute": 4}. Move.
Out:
{"hour": 7, "minute": 2}
